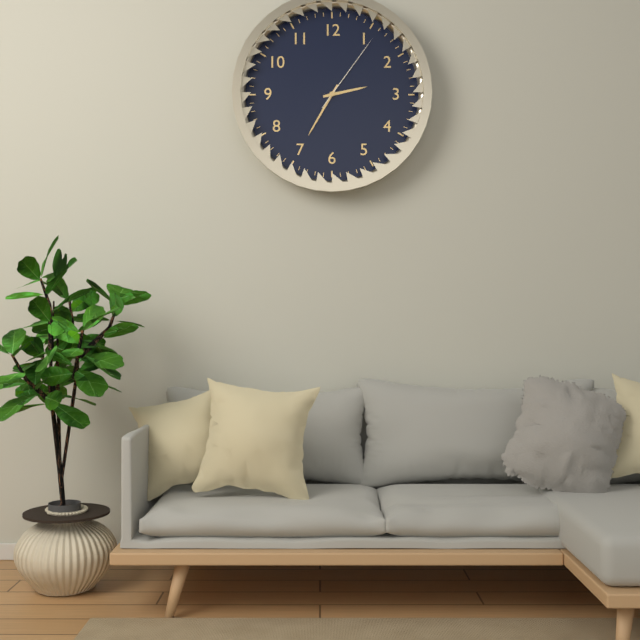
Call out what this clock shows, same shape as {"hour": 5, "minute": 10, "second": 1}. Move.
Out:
{"hour": 2, "minute": 35, "second": 6}
